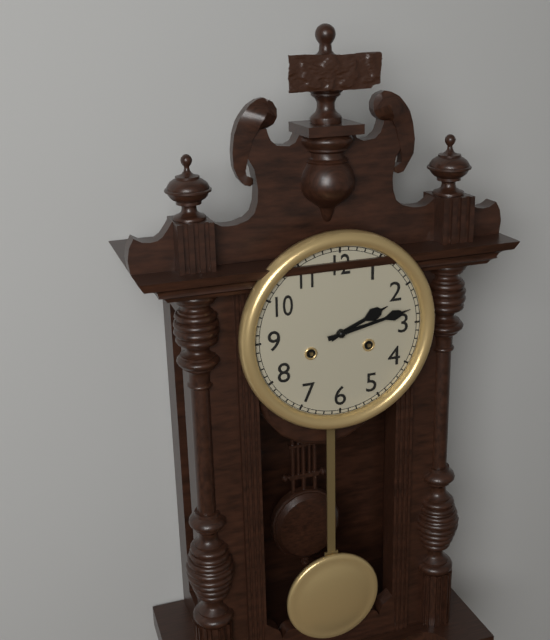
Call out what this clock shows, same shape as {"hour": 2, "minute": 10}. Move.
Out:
{"hour": 2, "minute": 13}
